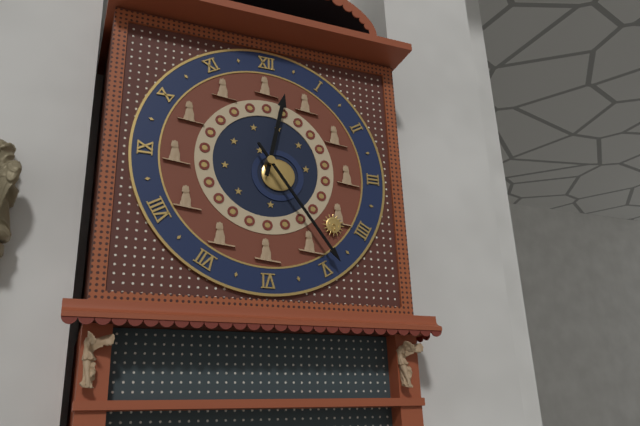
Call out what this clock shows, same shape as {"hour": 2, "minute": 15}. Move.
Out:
{"hour": 12, "minute": 24}
